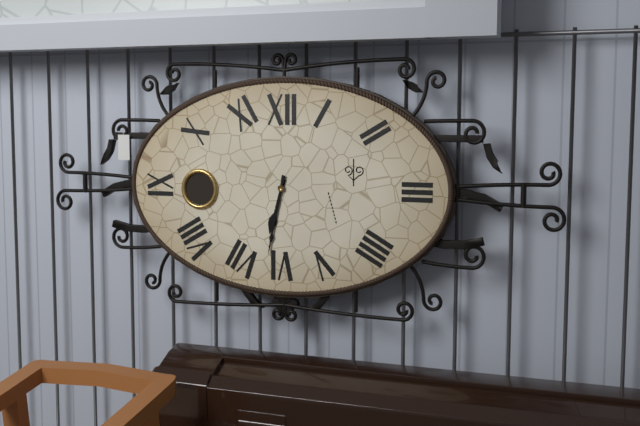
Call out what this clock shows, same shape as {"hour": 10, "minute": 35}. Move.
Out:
{"hour": 6, "minute": 32}
